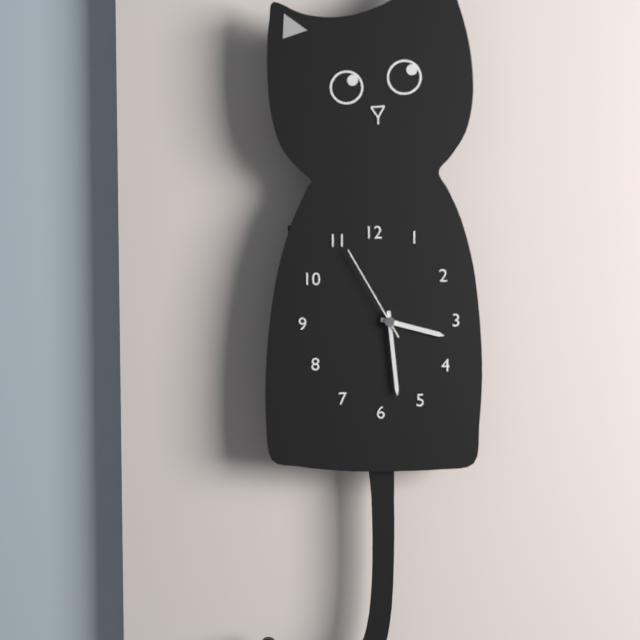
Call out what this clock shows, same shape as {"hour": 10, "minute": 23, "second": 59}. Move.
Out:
{"hour": 3, "minute": 29, "second": 55}
